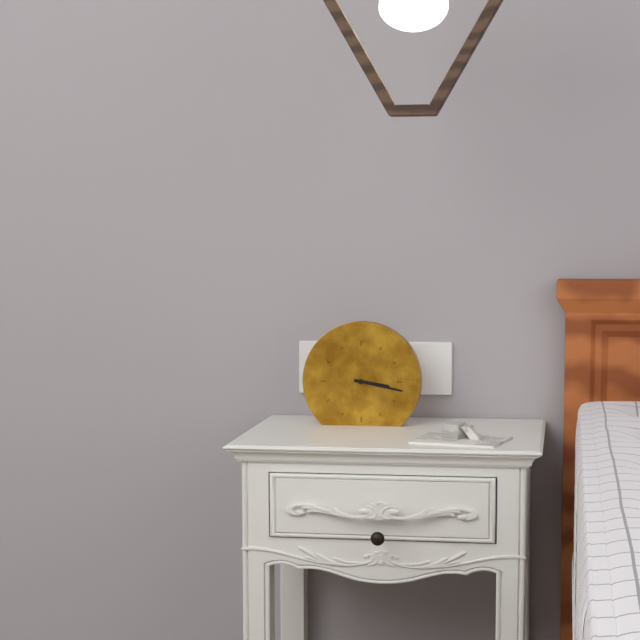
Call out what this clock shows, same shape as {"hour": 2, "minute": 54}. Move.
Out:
{"hour": 3, "minute": 17}
